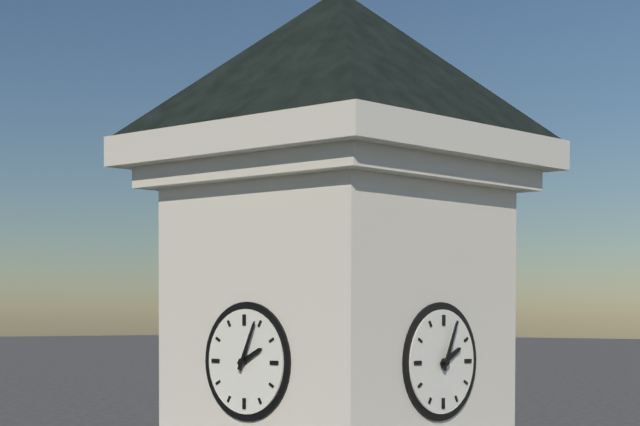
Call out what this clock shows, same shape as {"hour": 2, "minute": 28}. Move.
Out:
{"hour": 2, "minute": 4}
